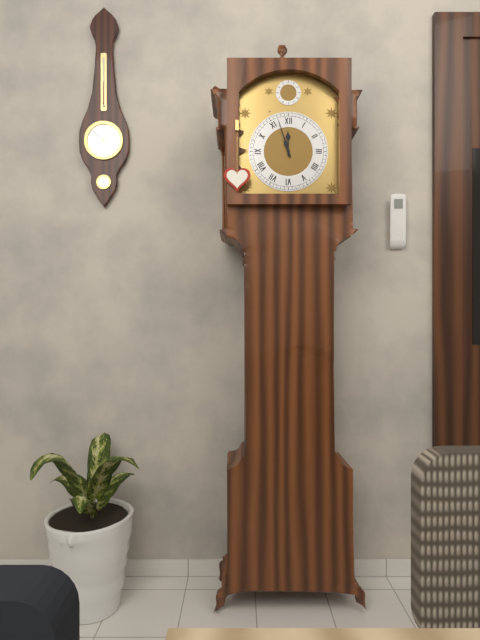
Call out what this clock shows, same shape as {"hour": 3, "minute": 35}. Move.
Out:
{"hour": 11, "minute": 57}
